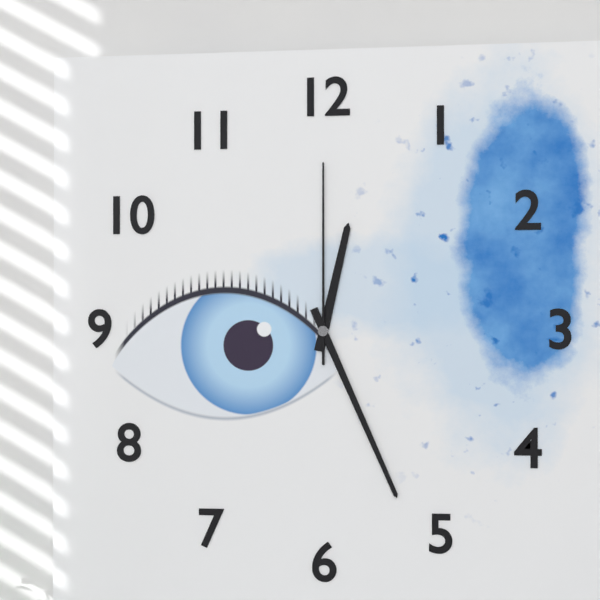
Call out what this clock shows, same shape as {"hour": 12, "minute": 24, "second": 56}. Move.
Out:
{"hour": 12, "minute": 26, "second": 0}
